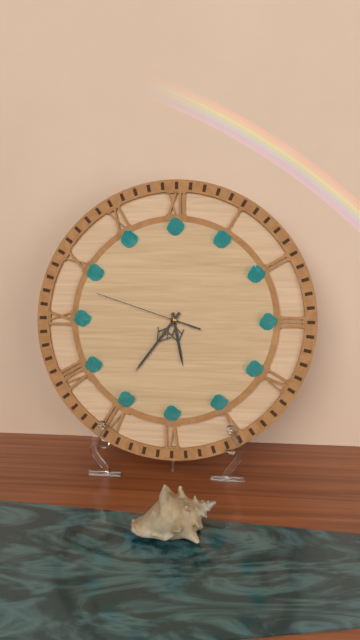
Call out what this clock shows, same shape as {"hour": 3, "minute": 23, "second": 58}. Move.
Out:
{"hour": 5, "minute": 36, "second": 48}
